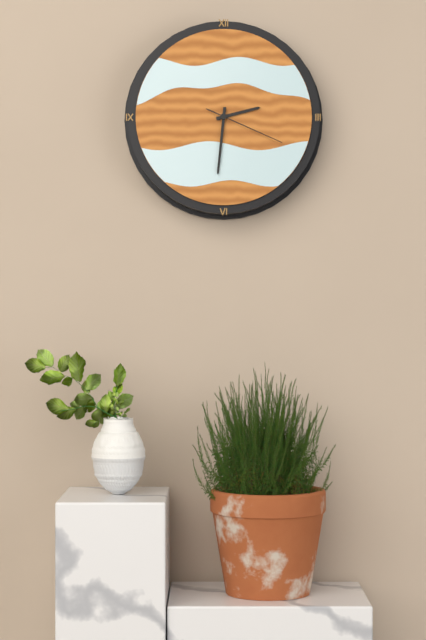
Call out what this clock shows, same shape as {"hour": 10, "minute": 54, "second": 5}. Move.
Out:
{"hour": 2, "minute": 31, "second": 19}
